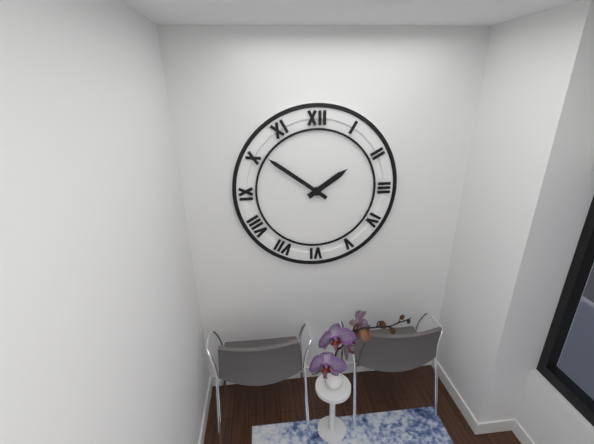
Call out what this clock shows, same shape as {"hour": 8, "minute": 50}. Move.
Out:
{"hour": 1, "minute": 51}
